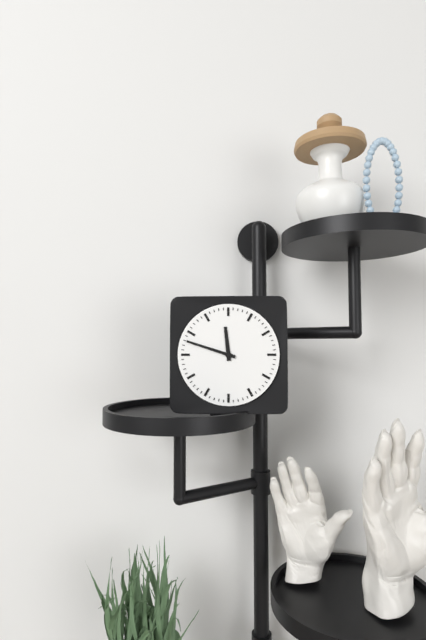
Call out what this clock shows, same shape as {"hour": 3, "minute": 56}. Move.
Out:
{"hour": 11, "minute": 48}
